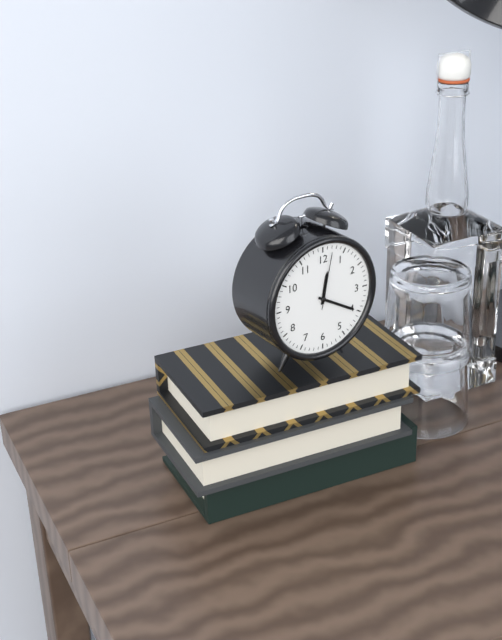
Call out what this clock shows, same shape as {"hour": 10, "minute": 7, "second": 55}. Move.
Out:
{"hour": 12, "minute": 20, "second": 2}
